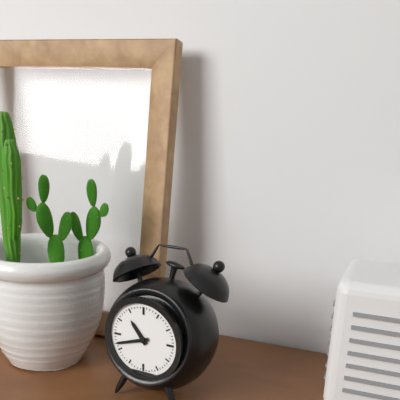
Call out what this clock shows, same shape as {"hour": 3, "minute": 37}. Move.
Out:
{"hour": 10, "minute": 42}
